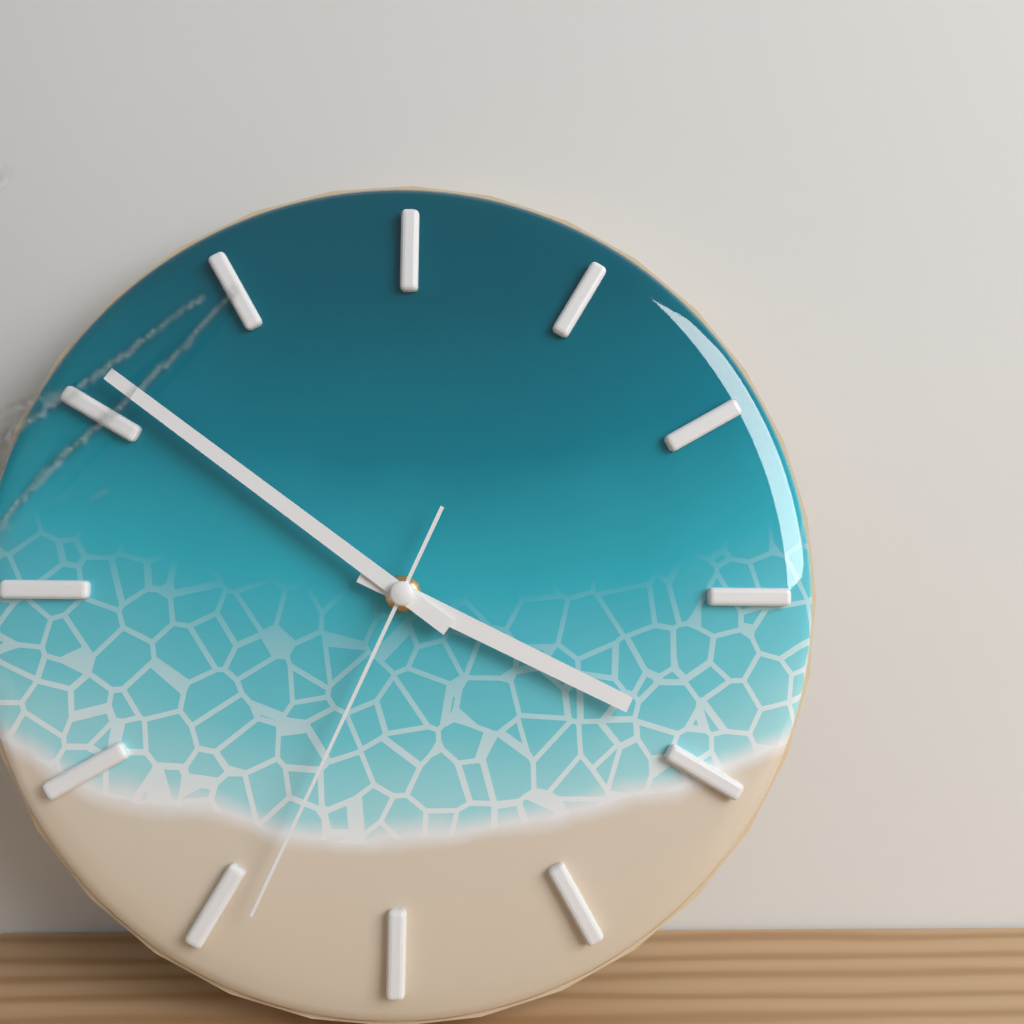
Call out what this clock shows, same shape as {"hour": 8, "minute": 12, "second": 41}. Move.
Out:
{"hour": 3, "minute": 51, "second": 34}
